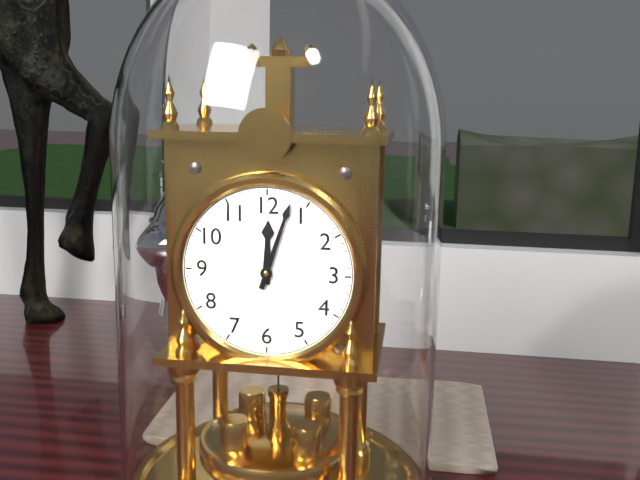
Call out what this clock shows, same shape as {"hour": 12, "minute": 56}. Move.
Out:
{"hour": 12, "minute": 3}
